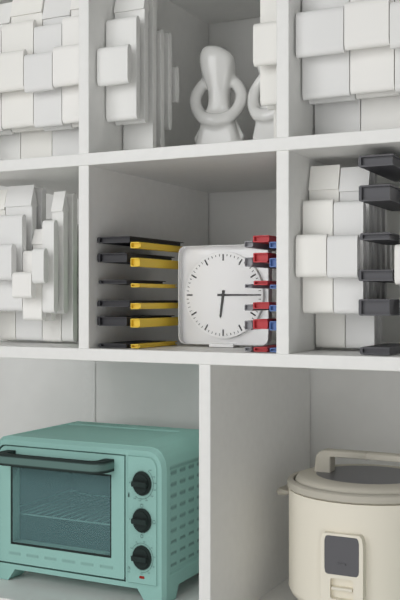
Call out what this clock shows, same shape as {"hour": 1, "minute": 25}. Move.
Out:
{"hour": 6, "minute": 15}
